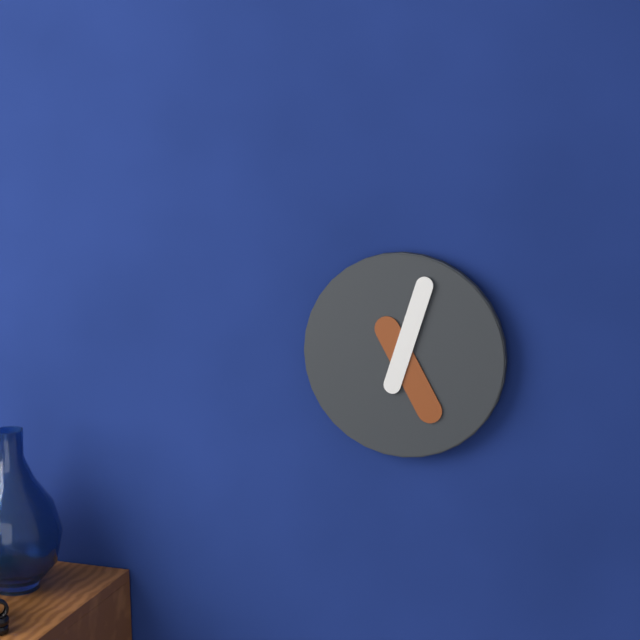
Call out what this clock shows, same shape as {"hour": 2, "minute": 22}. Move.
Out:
{"hour": 5, "minute": 3}
